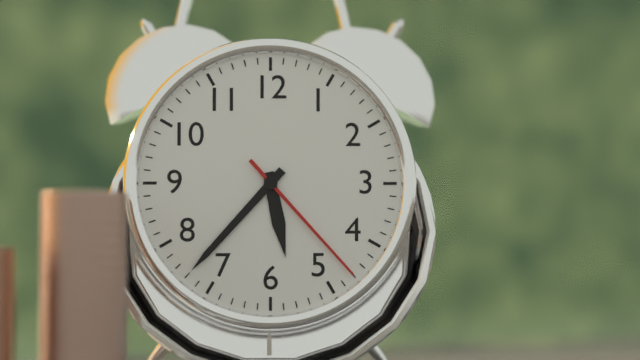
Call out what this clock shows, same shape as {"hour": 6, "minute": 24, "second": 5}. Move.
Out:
{"hour": 5, "minute": 37, "second": 23}
